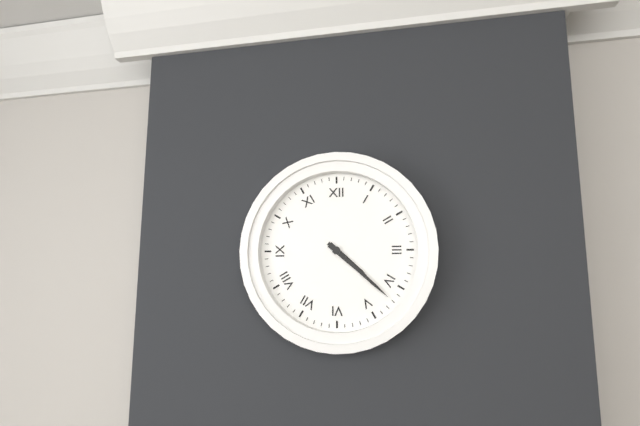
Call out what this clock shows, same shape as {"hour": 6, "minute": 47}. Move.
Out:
{"hour": 4, "minute": 22}
